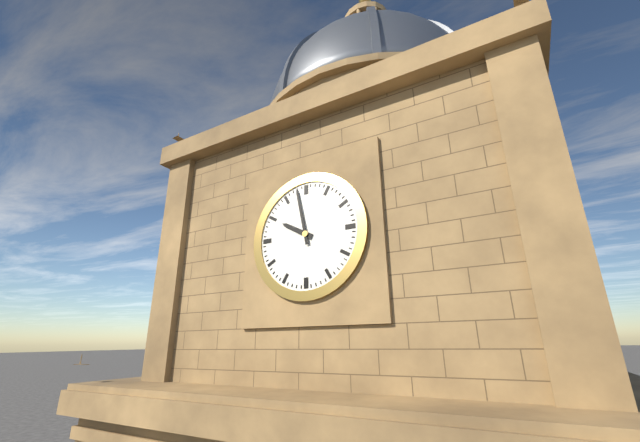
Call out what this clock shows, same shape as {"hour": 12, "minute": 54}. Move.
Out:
{"hour": 9, "minute": 58}
